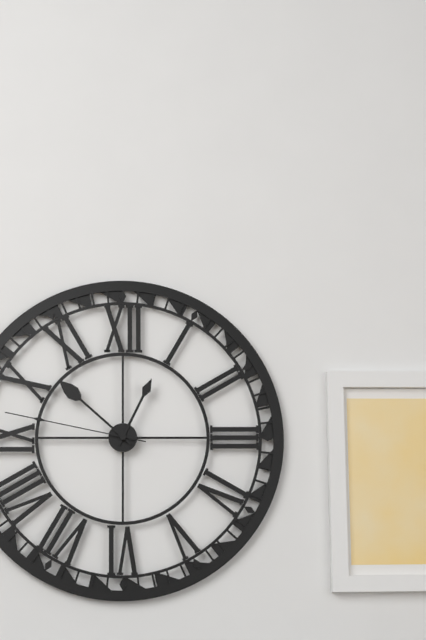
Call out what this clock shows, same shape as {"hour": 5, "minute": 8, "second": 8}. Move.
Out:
{"hour": 12, "minute": 52, "second": 47}
